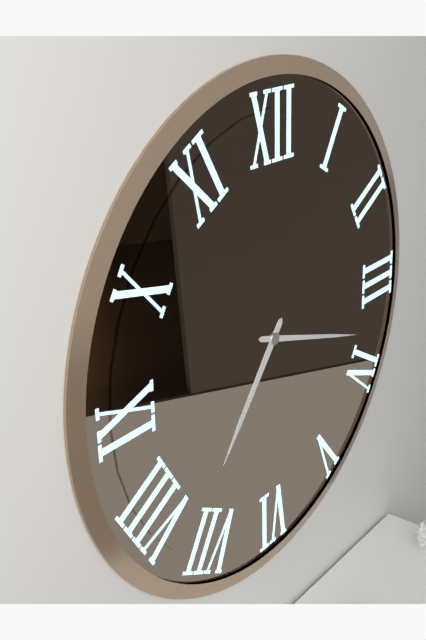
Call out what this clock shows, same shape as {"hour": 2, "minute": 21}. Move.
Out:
{"hour": 7, "minute": 18}
